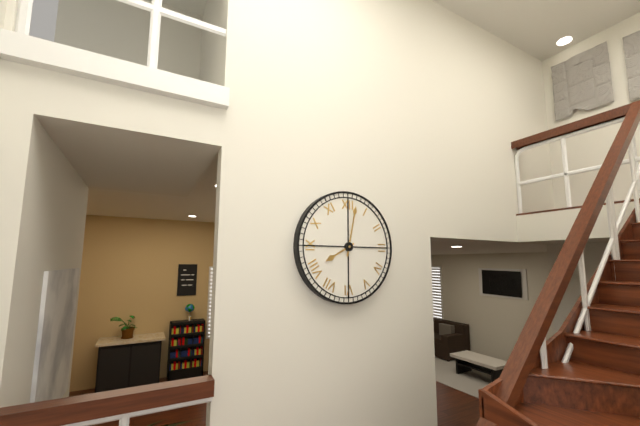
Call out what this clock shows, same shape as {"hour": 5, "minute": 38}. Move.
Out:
{"hour": 8, "minute": 2}
